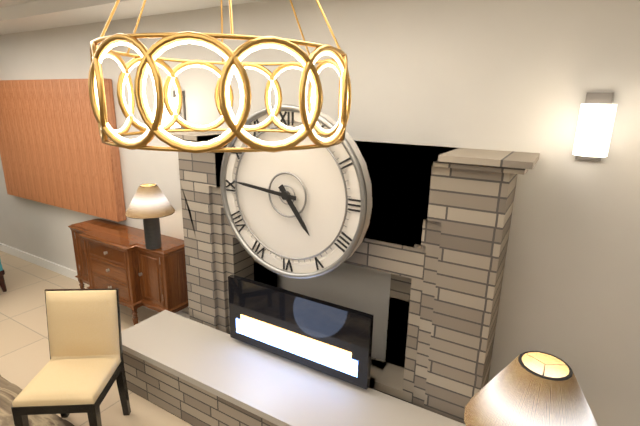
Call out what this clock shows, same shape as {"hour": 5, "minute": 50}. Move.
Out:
{"hour": 4, "minute": 46}
